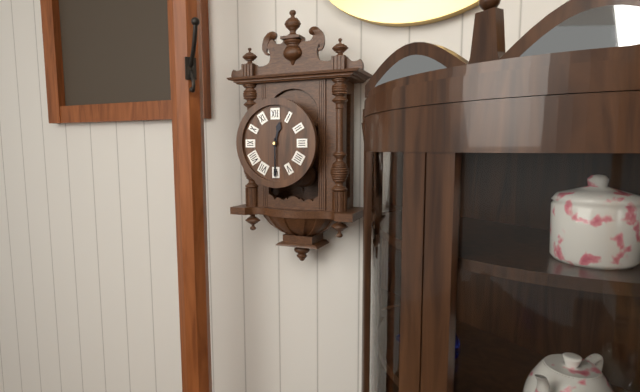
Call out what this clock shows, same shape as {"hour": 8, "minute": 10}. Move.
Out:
{"hour": 12, "minute": 30}
